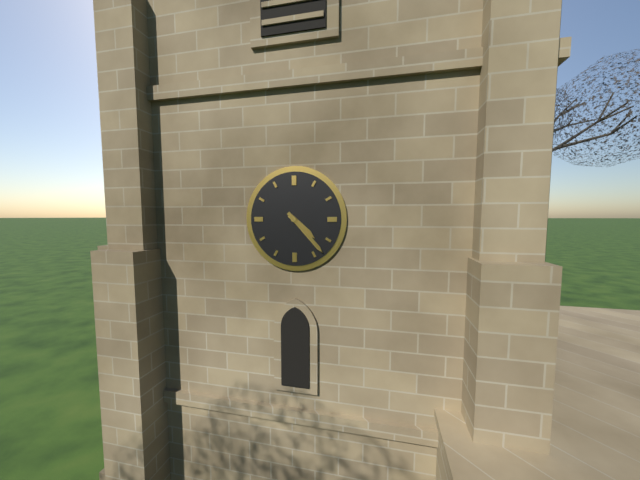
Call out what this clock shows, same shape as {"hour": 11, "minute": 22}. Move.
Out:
{"hour": 4, "minute": 23}
